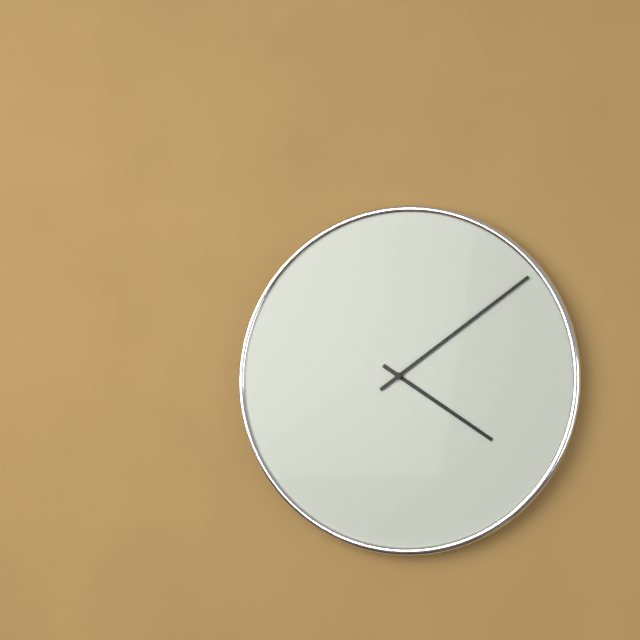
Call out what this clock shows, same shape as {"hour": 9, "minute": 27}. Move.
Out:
{"hour": 4, "minute": 9}
